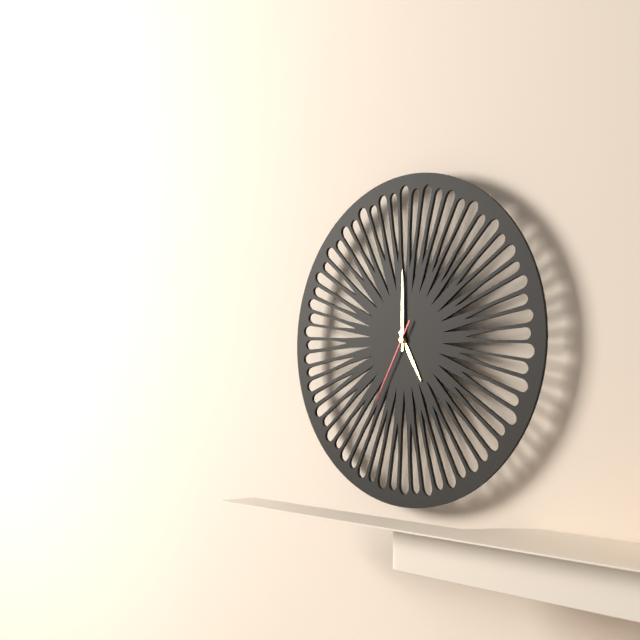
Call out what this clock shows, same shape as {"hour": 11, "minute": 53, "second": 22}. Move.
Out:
{"hour": 5, "minute": 0, "second": 35}
